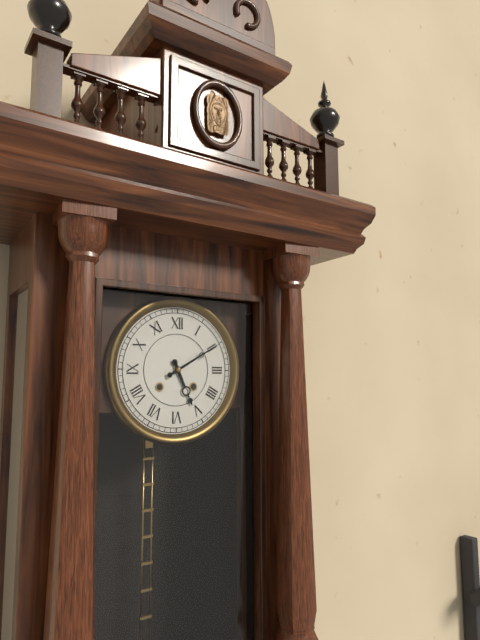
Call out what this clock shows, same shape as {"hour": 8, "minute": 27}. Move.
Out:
{"hour": 5, "minute": 10}
